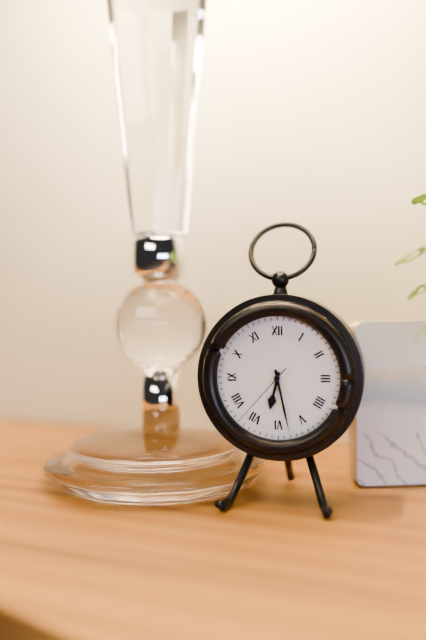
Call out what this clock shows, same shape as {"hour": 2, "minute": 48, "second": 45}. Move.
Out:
{"hour": 6, "minute": 28, "second": 37}
